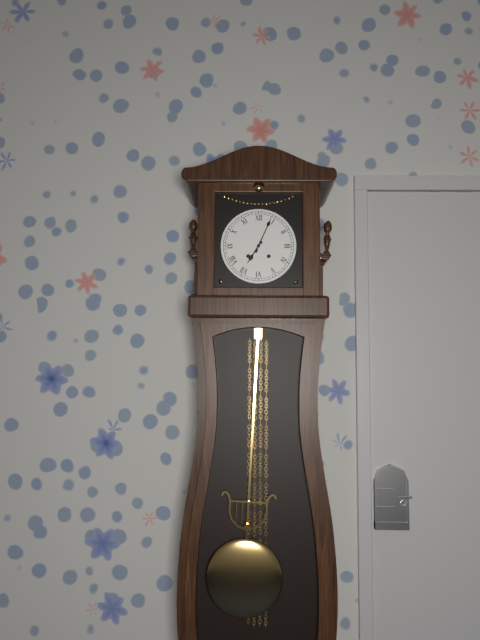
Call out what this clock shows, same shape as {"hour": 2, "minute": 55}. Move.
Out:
{"hour": 7, "minute": 4}
